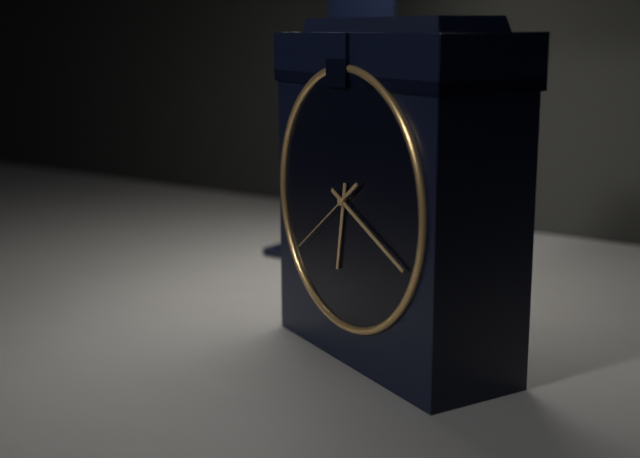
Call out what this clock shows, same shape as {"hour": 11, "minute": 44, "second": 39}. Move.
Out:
{"hour": 6, "minute": 19, "second": 39}
